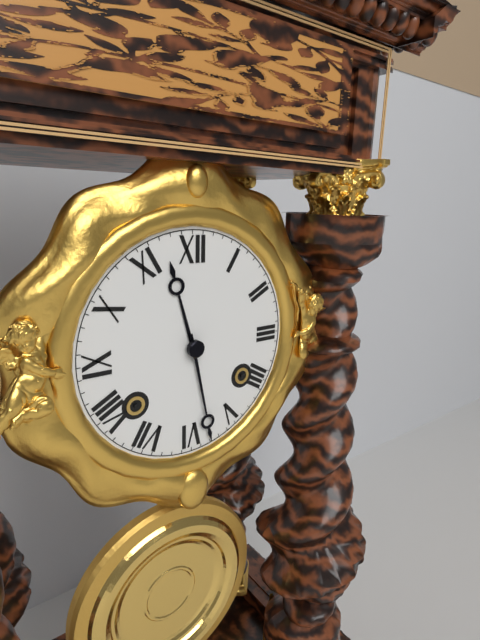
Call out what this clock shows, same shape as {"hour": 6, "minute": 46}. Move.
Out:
{"hour": 11, "minute": 28}
